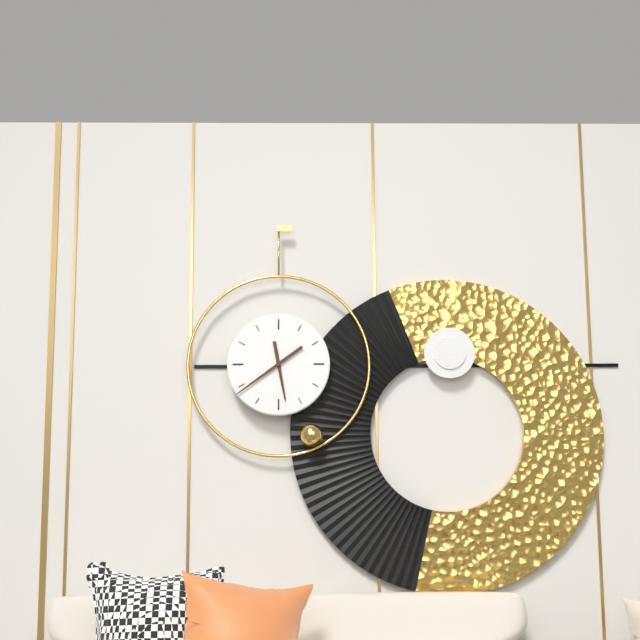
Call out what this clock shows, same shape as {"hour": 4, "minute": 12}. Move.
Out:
{"hour": 5, "minute": 39}
